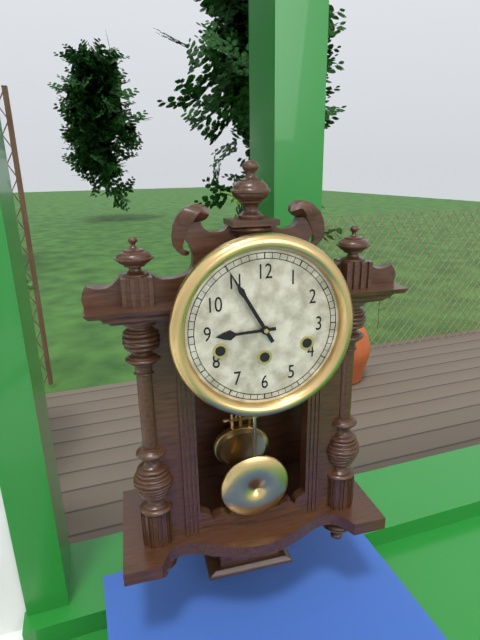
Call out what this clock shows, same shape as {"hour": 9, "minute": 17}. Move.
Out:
{"hour": 8, "minute": 55}
